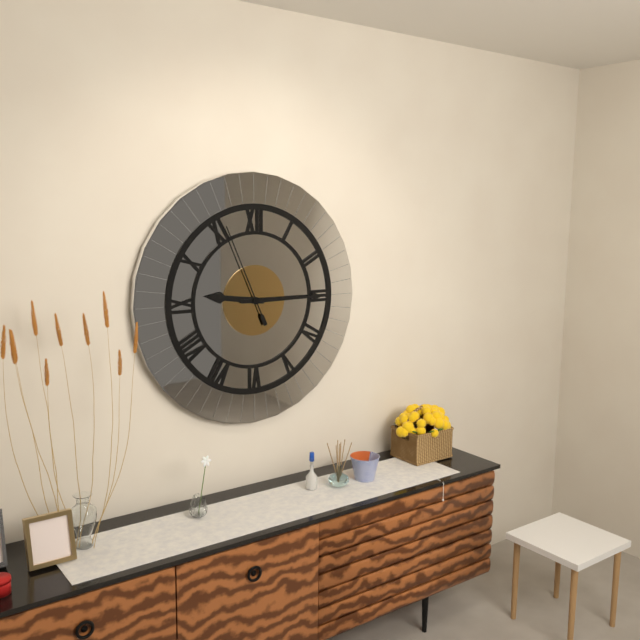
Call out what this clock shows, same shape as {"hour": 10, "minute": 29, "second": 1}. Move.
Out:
{"hour": 9, "minute": 15, "second": 56}
